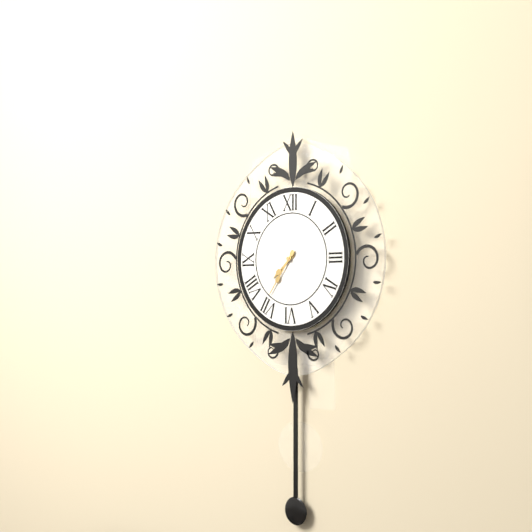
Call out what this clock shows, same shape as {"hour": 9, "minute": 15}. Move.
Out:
{"hour": 7, "minute": 36}
